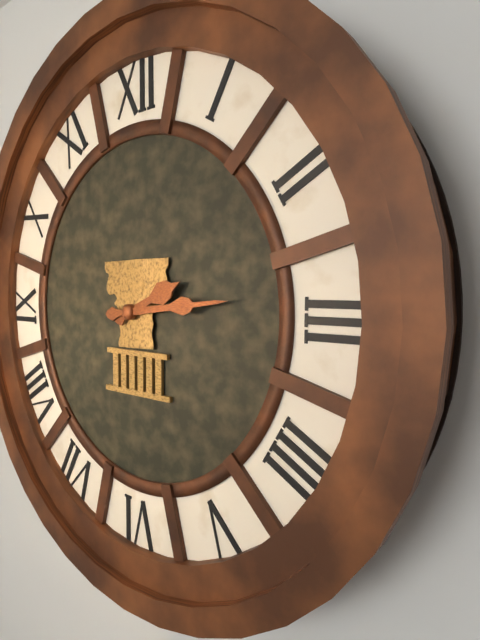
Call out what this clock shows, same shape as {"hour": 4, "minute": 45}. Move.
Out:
{"hour": 2, "minute": 14}
